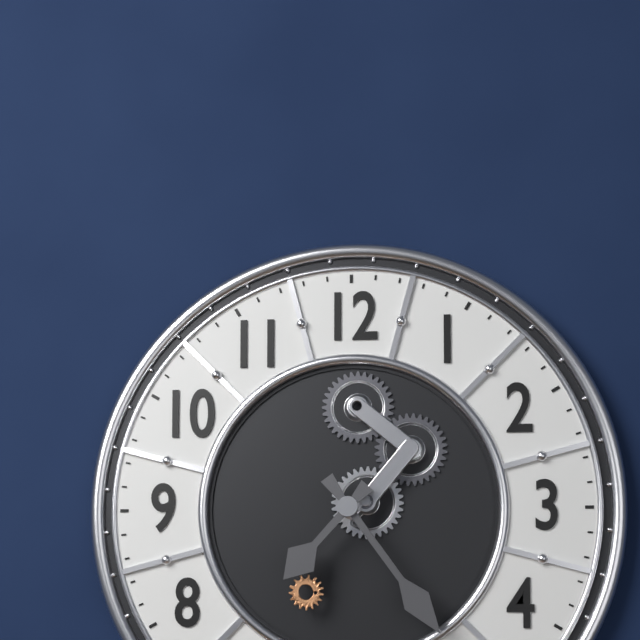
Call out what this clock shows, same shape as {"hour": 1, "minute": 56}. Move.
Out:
{"hour": 7, "minute": 24}
